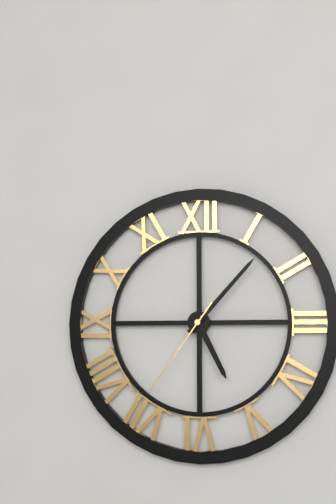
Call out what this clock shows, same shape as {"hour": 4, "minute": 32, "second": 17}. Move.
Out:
{"hour": 5, "minute": 7, "second": 36}
